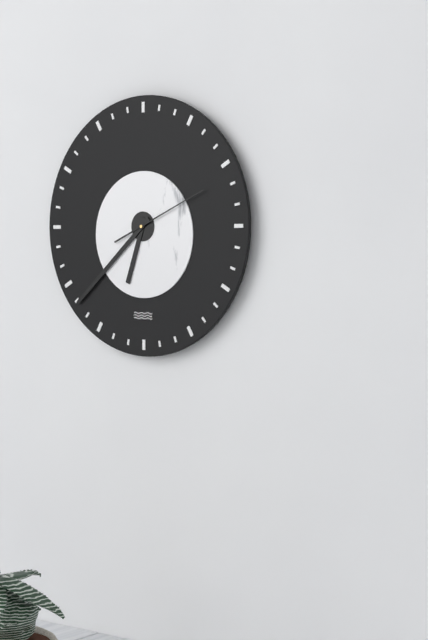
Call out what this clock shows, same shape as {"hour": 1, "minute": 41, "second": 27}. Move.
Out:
{"hour": 6, "minute": 38, "second": 11}
